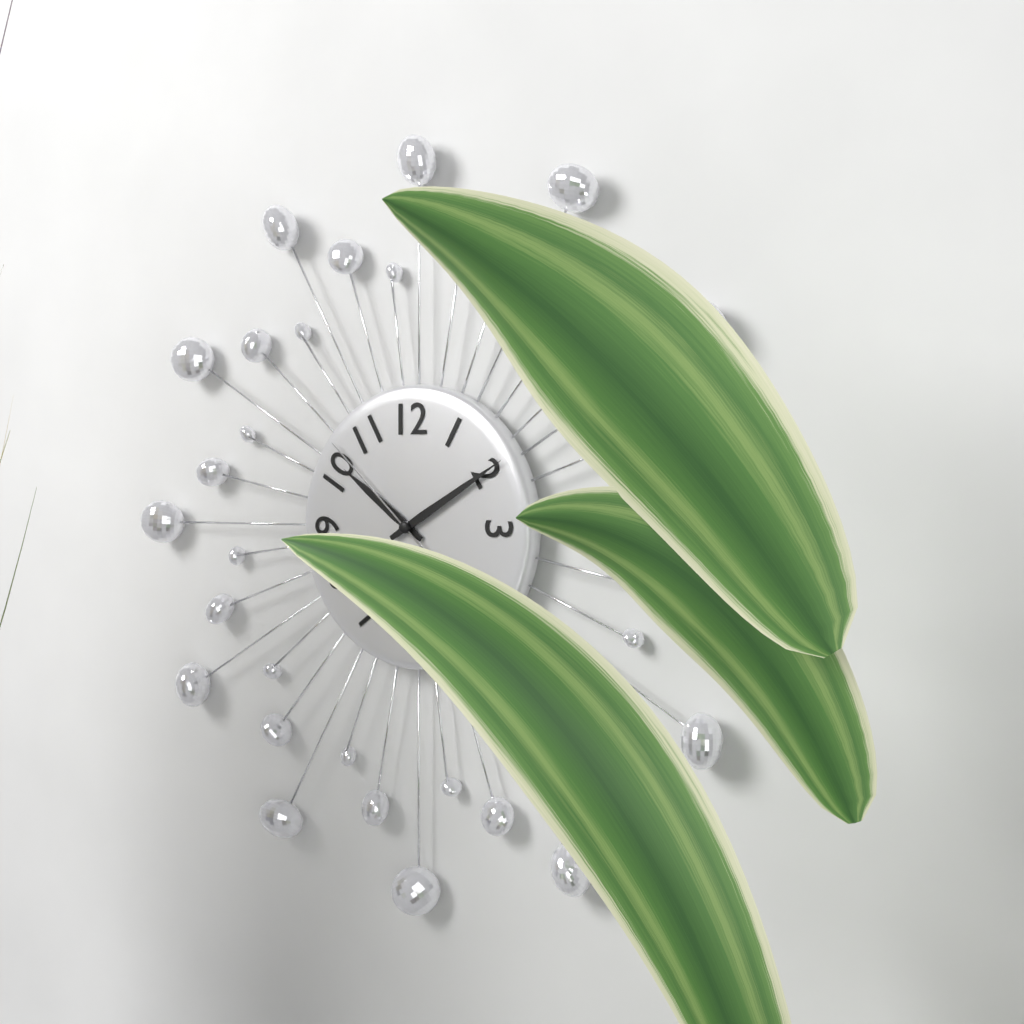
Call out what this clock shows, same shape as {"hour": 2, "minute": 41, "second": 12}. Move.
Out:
{"hour": 10, "minute": 10, "second": 52}
